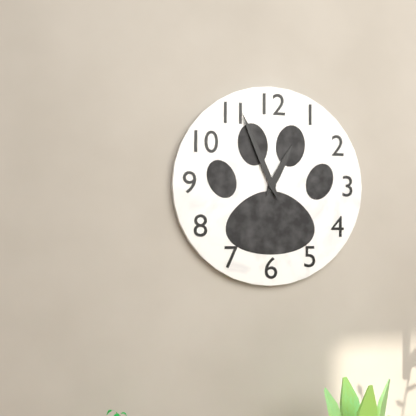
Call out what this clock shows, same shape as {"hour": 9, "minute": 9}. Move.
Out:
{"hour": 12, "minute": 56}
